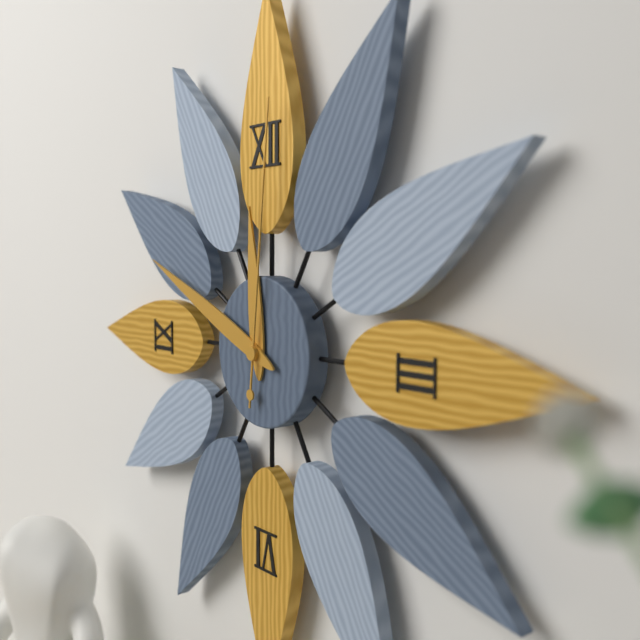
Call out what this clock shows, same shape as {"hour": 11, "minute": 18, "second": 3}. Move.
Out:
{"hour": 11, "minute": 49, "second": 1}
